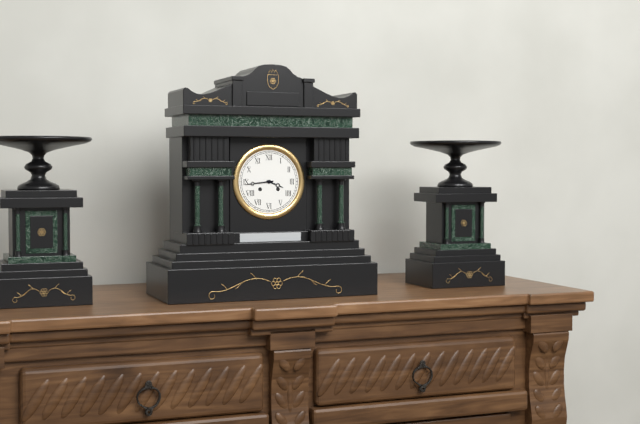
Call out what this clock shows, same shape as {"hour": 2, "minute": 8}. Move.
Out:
{"hour": 3, "minute": 44}
